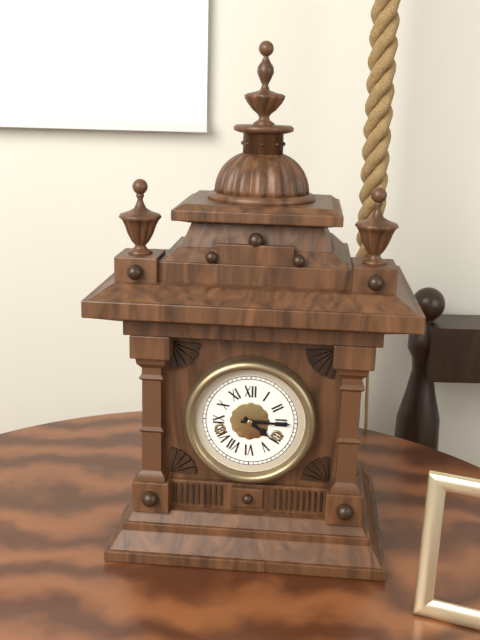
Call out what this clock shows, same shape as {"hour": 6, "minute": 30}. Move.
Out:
{"hour": 4, "minute": 15}
